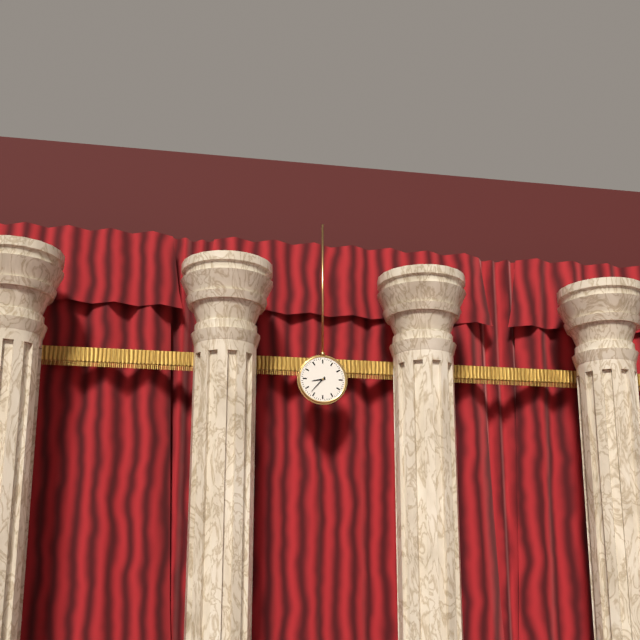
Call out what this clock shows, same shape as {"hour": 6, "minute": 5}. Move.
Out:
{"hour": 8, "minute": 37}
